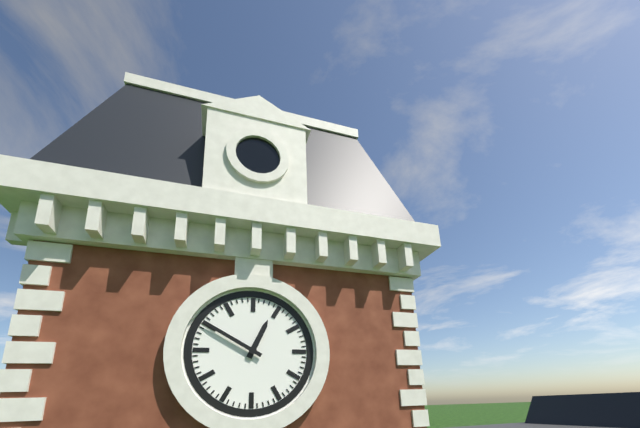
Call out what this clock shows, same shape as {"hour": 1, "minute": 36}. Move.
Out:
{"hour": 12, "minute": 50}
